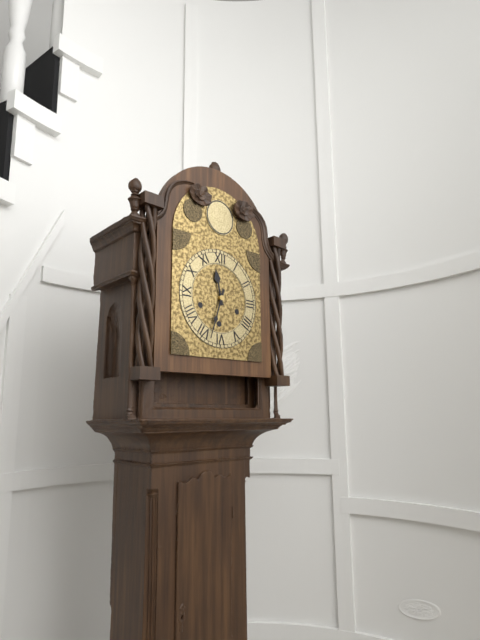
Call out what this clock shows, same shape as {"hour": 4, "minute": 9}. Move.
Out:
{"hour": 11, "minute": 33}
